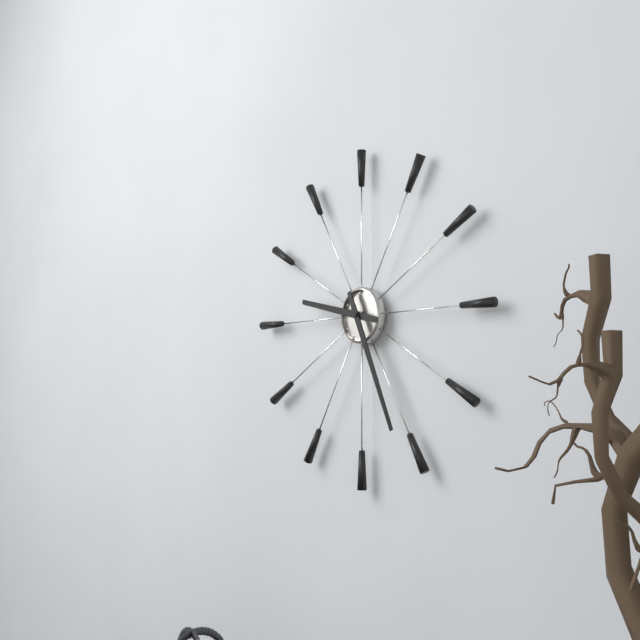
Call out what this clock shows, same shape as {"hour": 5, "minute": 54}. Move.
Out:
{"hour": 9, "minute": 26}
